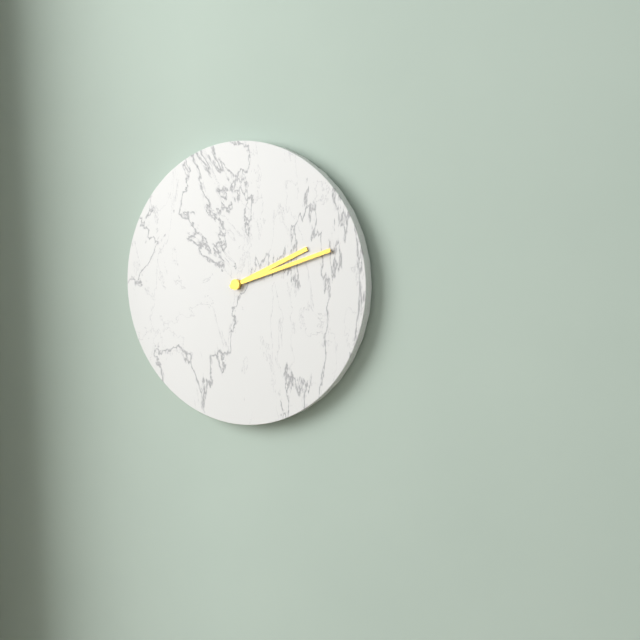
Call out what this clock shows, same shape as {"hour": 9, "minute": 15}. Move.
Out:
{"hour": 2, "minute": 12}
